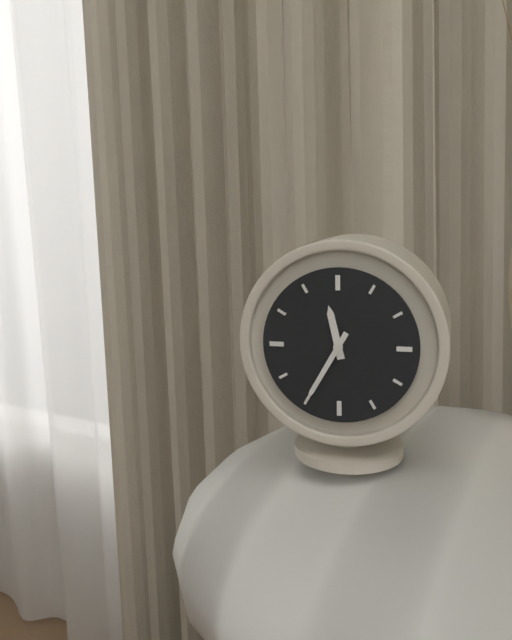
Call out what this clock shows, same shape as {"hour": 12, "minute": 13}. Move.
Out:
{"hour": 11, "minute": 35}
